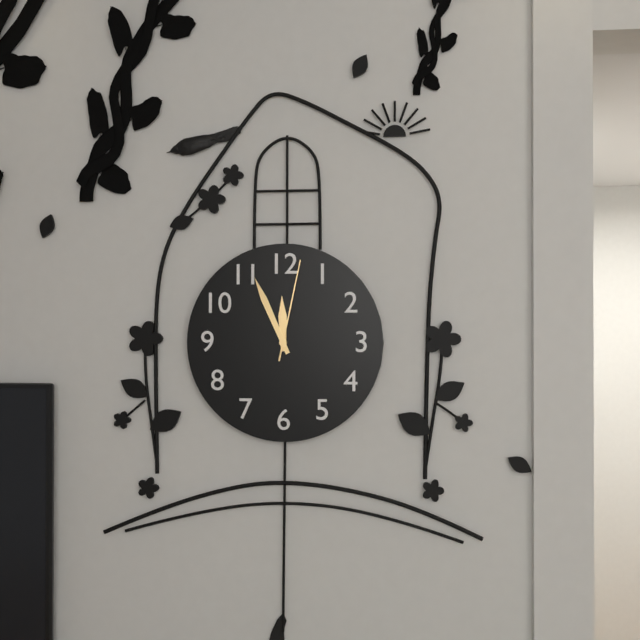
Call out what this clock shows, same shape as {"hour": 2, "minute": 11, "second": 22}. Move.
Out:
{"hour": 11, "minute": 56, "second": 2}
